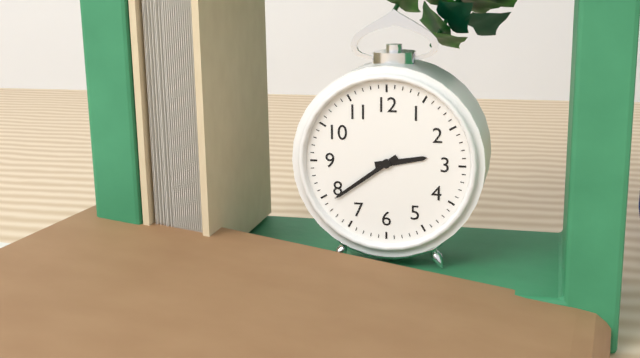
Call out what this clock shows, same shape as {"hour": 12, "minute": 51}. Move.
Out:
{"hour": 2, "minute": 39}
